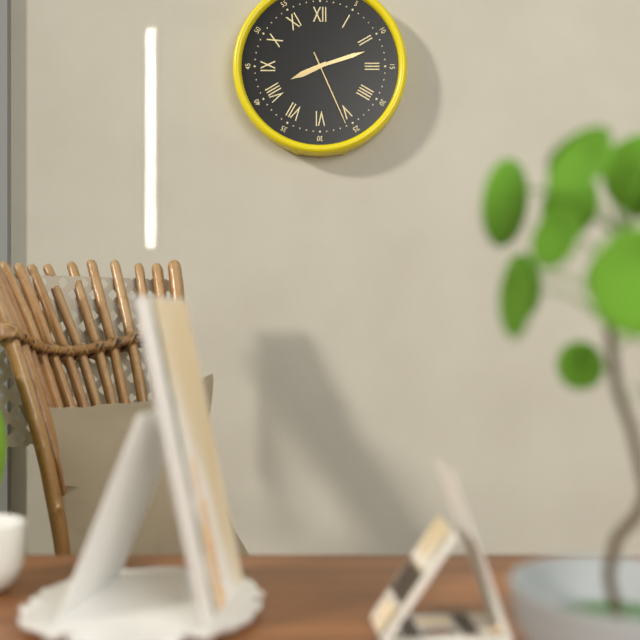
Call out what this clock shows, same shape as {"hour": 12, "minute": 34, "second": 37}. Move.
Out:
{"hour": 8, "minute": 12, "second": 26}
